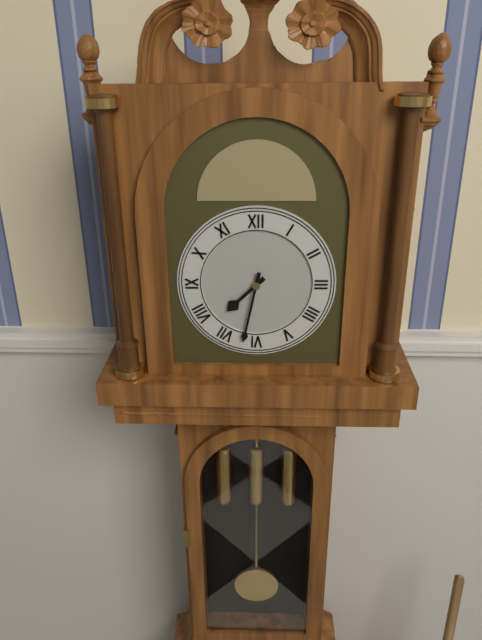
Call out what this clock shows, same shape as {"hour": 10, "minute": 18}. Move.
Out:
{"hour": 7, "minute": 32}
